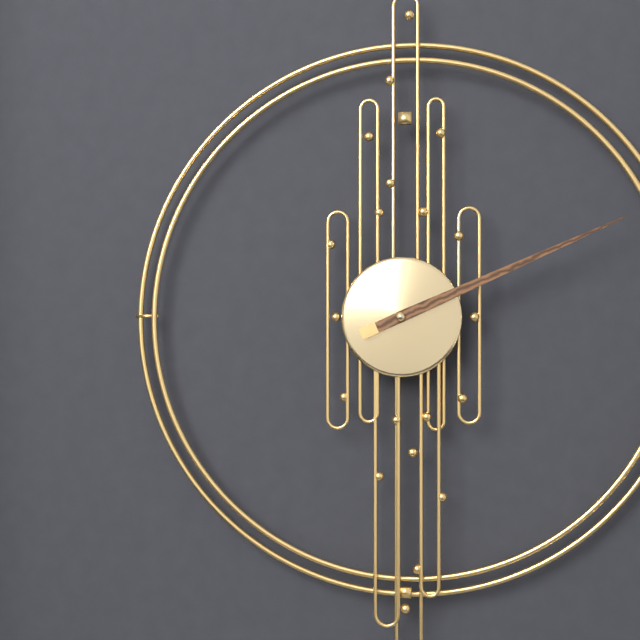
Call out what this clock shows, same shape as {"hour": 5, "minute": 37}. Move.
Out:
{"hour": 2, "minute": 11}
